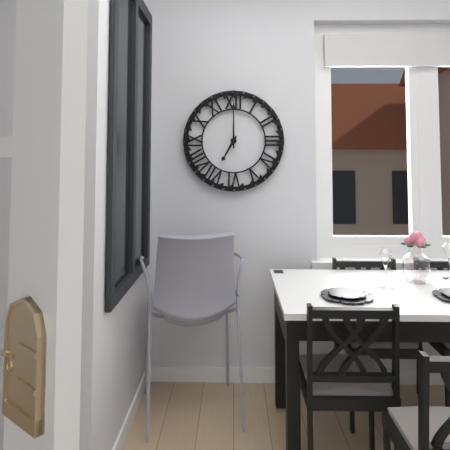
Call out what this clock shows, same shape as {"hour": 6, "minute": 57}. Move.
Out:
{"hour": 7, "minute": 0}
